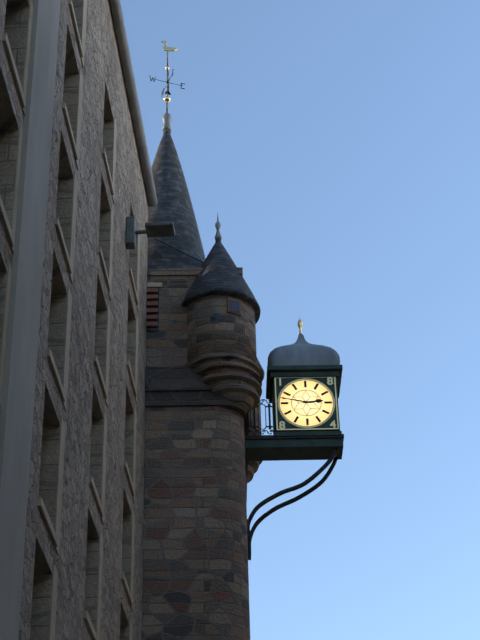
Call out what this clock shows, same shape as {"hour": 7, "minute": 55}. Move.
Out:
{"hour": 2, "minute": 47}
